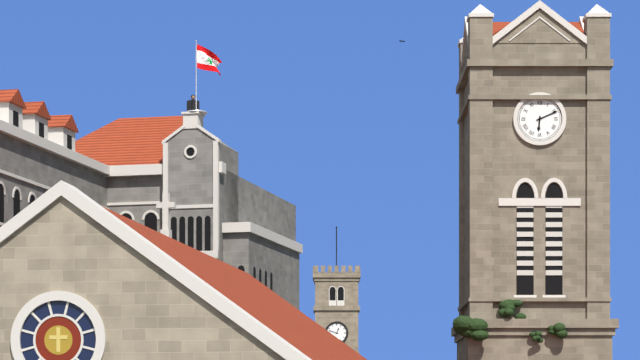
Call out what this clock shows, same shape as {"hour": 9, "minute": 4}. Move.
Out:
{"hour": 6, "minute": 11}
